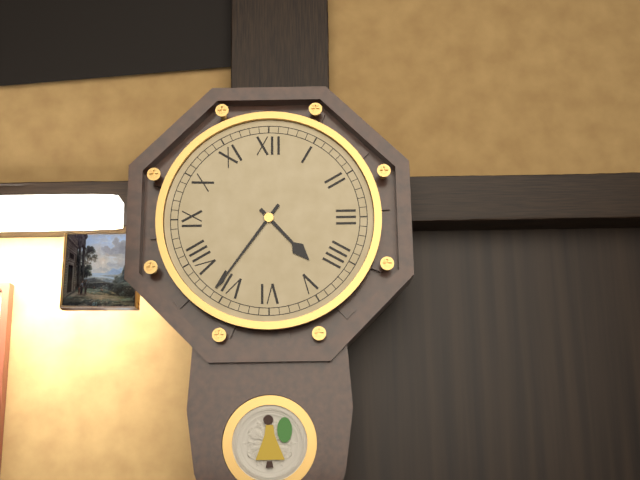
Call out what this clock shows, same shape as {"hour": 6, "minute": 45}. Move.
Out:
{"hour": 4, "minute": 36}
